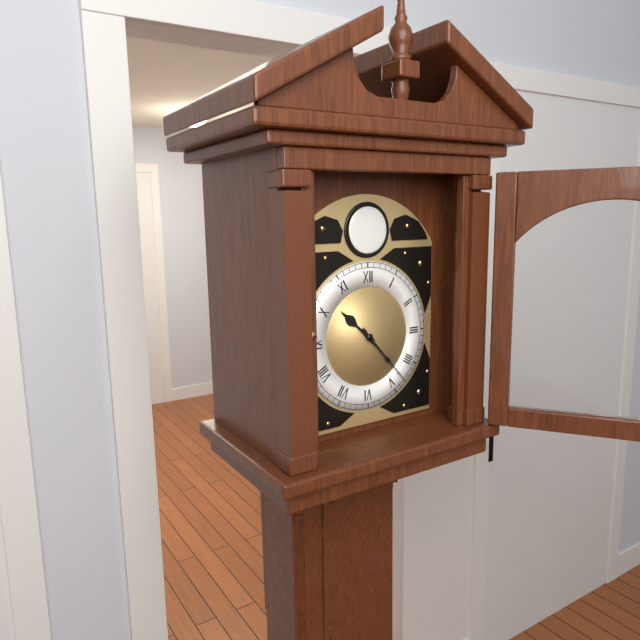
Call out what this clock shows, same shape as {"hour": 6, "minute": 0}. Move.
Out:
{"hour": 10, "minute": 23}
